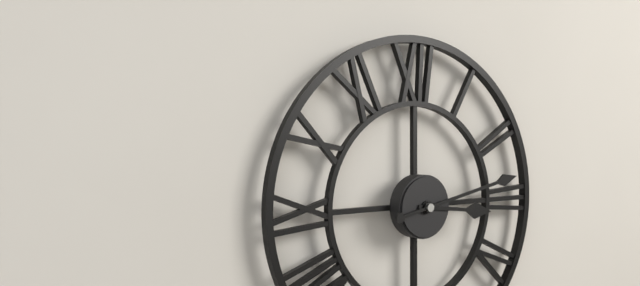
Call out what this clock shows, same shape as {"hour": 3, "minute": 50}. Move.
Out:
{"hour": 3, "minute": 13}
